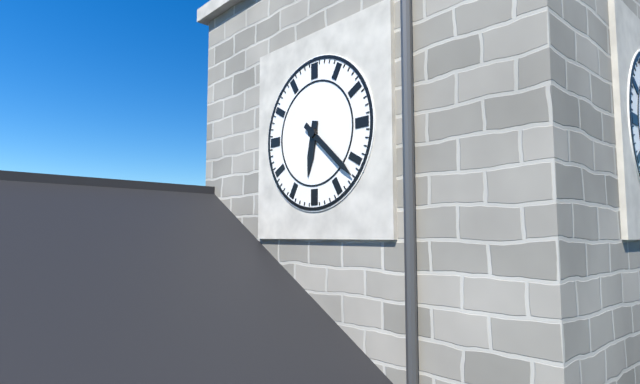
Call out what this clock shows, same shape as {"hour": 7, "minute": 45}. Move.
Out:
{"hour": 6, "minute": 22}
